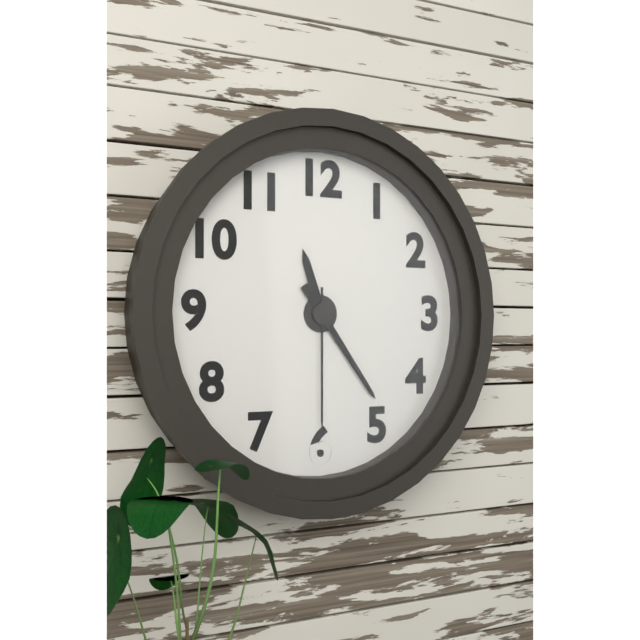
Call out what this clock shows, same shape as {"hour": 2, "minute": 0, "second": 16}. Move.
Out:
{"hour": 11, "minute": 24, "second": 30}
